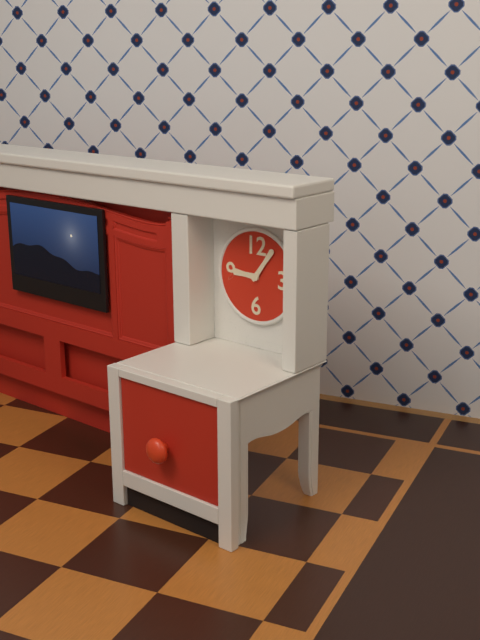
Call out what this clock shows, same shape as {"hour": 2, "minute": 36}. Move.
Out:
{"hour": 9, "minute": 6}
